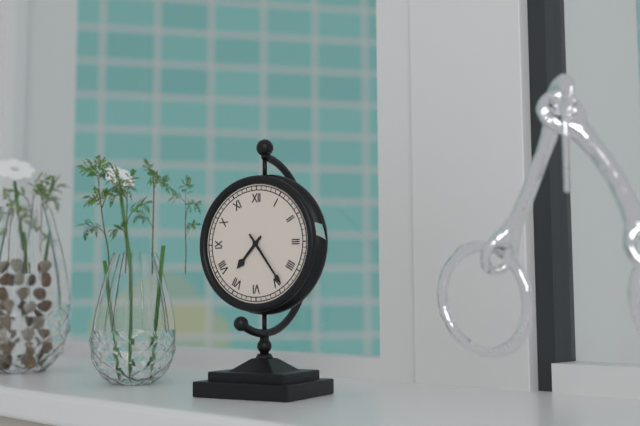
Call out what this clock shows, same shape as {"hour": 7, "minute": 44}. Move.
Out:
{"hour": 7, "minute": 24}
